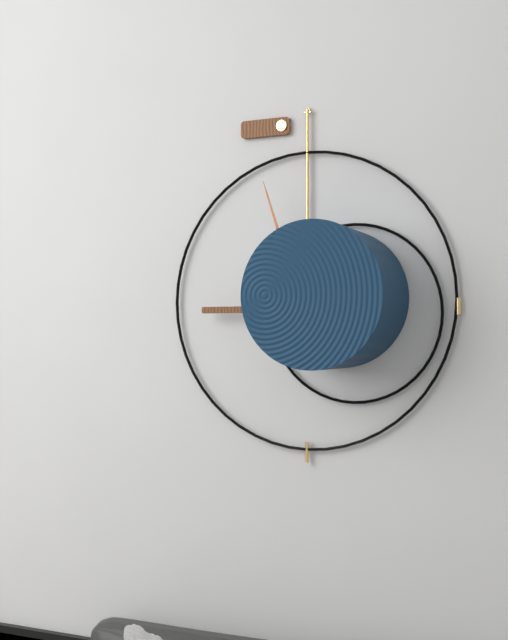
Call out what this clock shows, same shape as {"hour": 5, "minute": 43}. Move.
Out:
{"hour": 4, "minute": 57}
